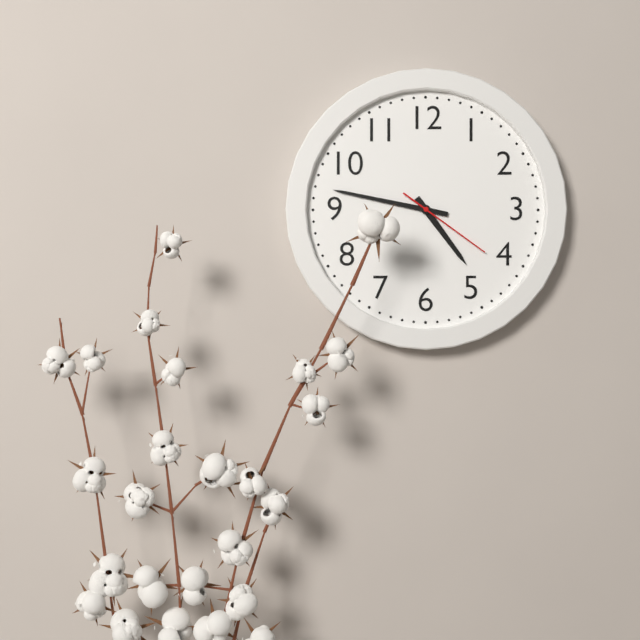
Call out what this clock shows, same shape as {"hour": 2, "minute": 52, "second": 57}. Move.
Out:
{"hour": 4, "minute": 47, "second": 21}
